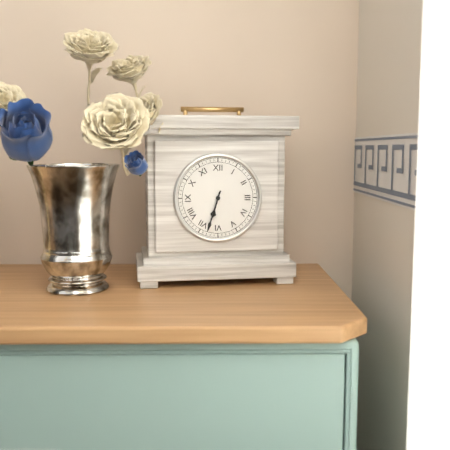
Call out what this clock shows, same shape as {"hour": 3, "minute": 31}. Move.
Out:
{"hour": 6, "minute": 33}
